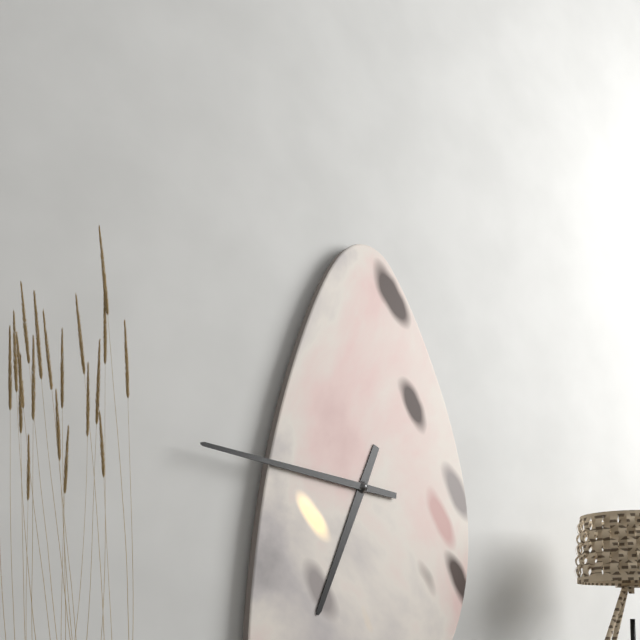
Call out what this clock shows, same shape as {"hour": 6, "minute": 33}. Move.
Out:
{"hour": 6, "minute": 46}
